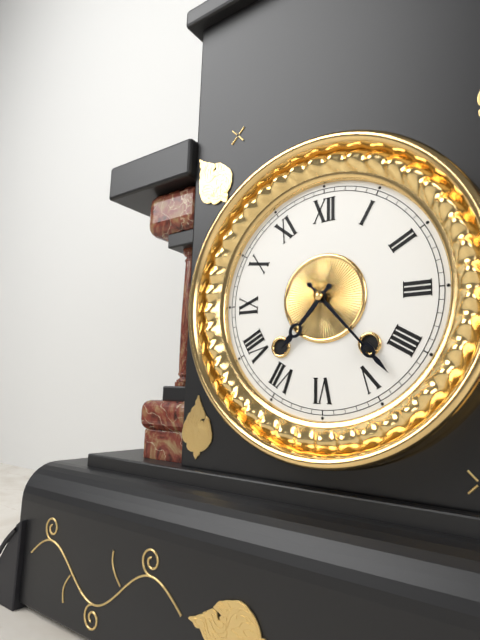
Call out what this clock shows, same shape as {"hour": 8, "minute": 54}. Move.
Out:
{"hour": 7, "minute": 23}
